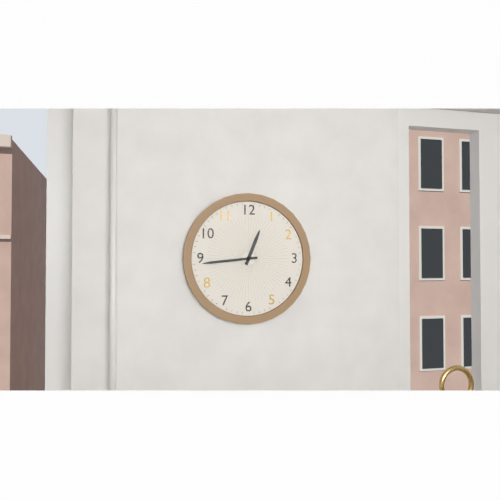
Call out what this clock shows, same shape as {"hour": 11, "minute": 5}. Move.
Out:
{"hour": 12, "minute": 44}
